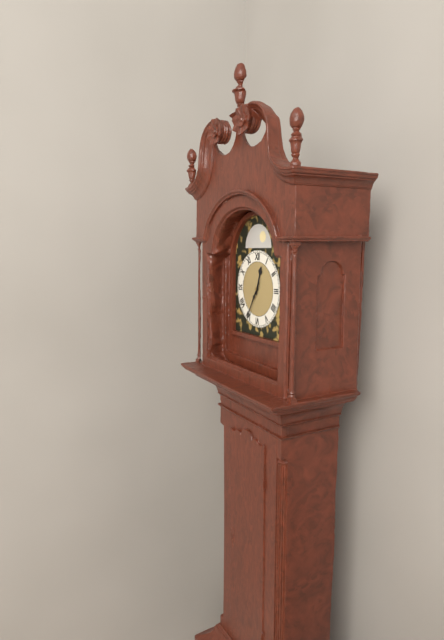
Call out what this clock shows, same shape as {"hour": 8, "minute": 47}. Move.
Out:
{"hour": 12, "minute": 35}
